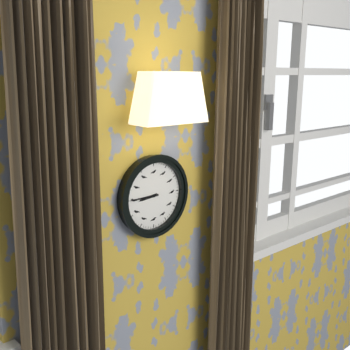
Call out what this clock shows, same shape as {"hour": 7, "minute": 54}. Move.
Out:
{"hour": 8, "minute": 45}
